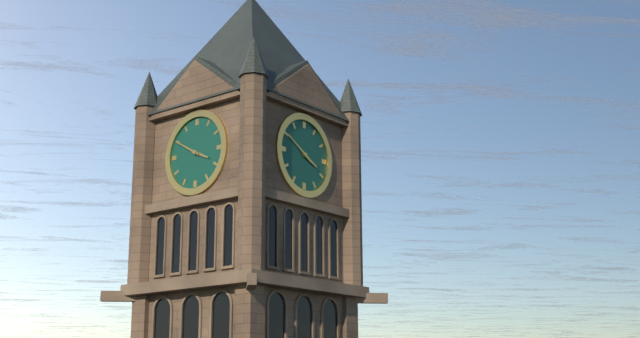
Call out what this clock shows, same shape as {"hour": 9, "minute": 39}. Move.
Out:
{"hour": 3, "minute": 50}
